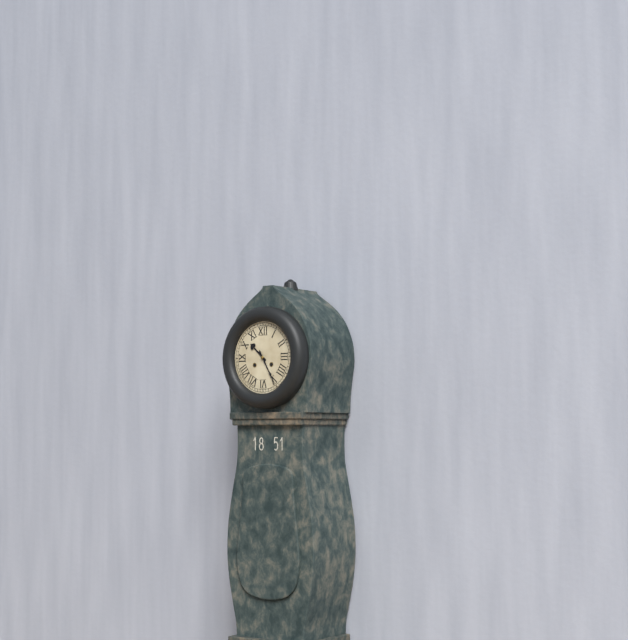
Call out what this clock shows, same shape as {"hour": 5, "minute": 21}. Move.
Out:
{"hour": 10, "minute": 25}
